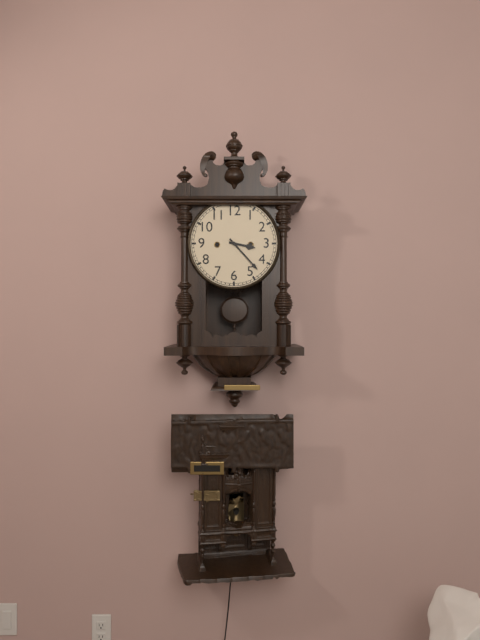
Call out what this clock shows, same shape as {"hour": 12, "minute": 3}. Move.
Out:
{"hour": 3, "minute": 23}
